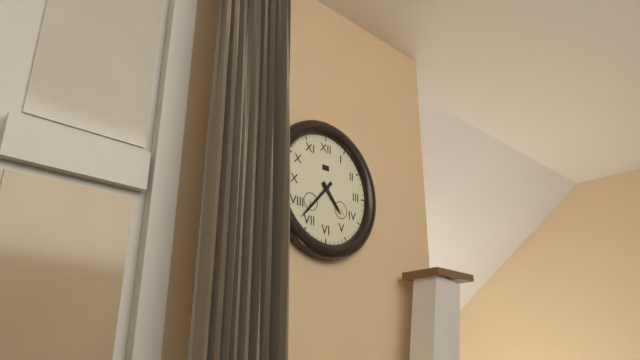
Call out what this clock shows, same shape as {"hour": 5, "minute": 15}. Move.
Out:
{"hour": 4, "minute": 37}
